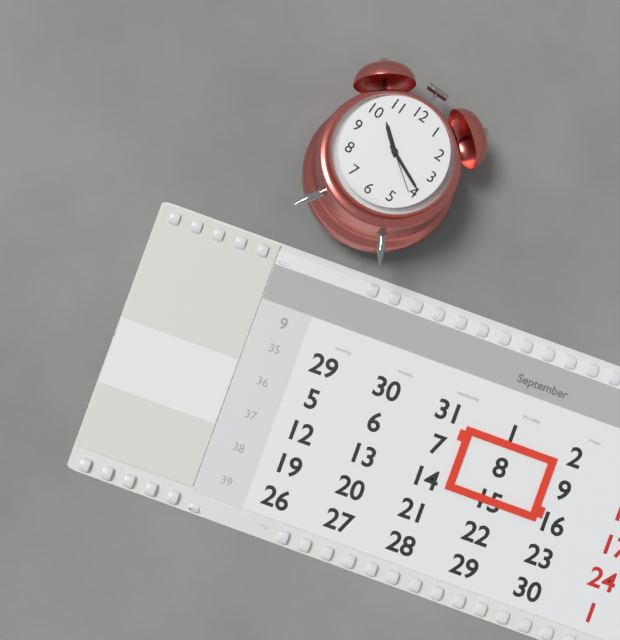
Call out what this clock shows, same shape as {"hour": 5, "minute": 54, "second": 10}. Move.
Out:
{"hour": 10, "minute": 19, "second": 21}
